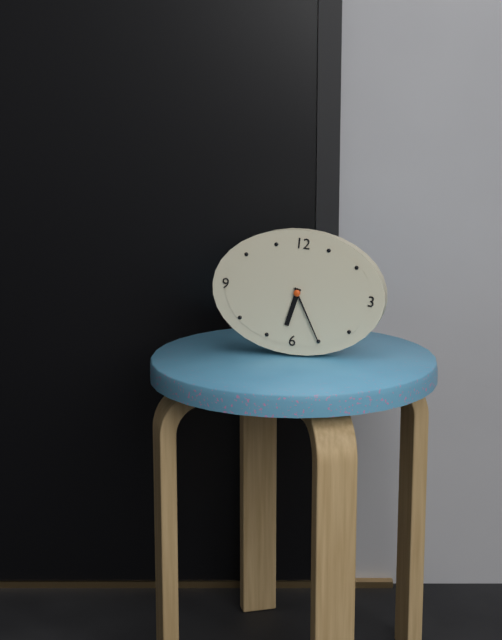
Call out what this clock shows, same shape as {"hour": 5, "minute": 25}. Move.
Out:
{"hour": 6, "minute": 25}
